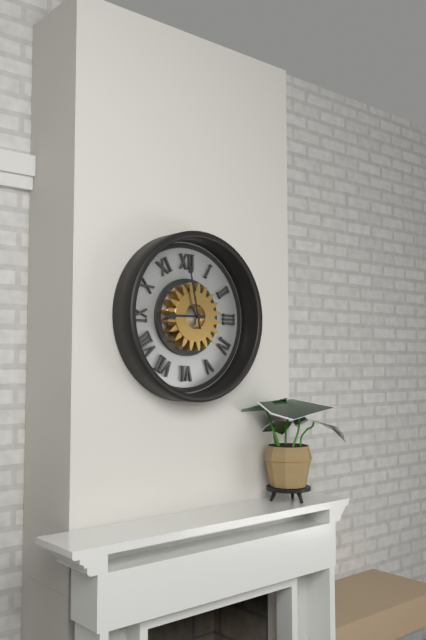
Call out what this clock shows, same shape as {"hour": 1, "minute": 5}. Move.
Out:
{"hour": 8, "minute": 58}
